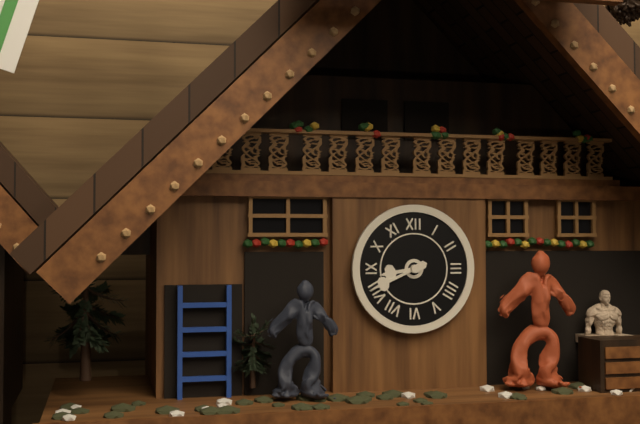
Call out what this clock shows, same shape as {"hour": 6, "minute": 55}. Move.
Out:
{"hour": 8, "minute": 41}
